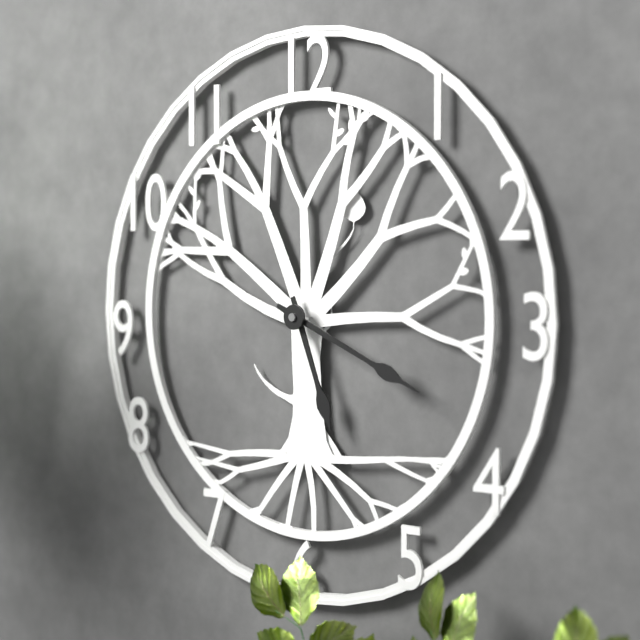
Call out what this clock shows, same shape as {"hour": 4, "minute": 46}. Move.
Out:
{"hour": 5, "minute": 19}
